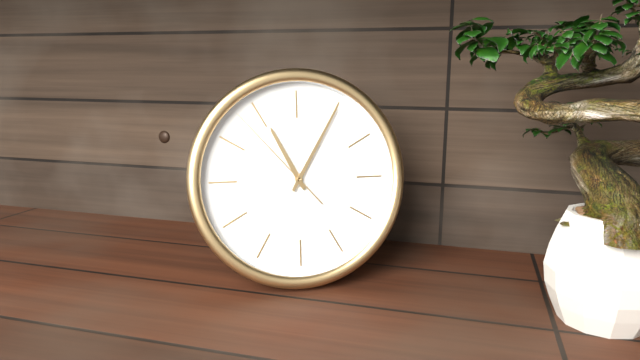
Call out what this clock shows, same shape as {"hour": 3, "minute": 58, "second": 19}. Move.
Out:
{"hour": 11, "minute": 5, "second": 53}
